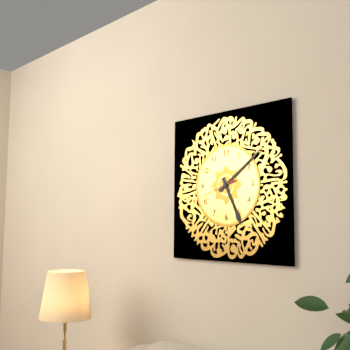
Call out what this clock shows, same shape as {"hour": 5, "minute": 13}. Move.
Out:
{"hour": 5, "minute": 9}
